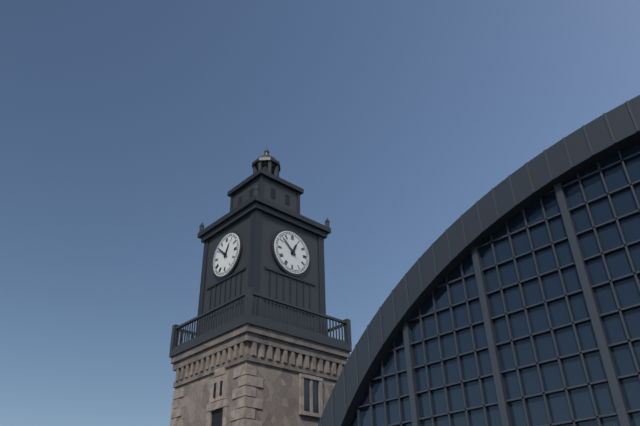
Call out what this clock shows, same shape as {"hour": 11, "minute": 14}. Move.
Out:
{"hour": 12, "minute": 52}
